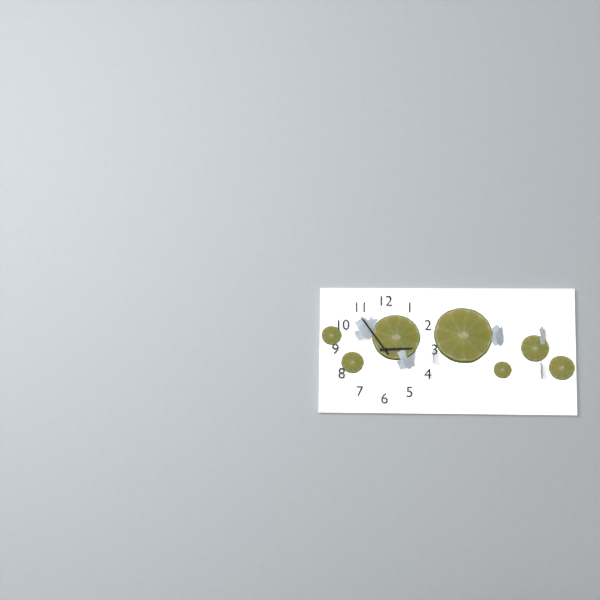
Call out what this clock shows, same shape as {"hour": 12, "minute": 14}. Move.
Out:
{"hour": 2, "minute": 54}
